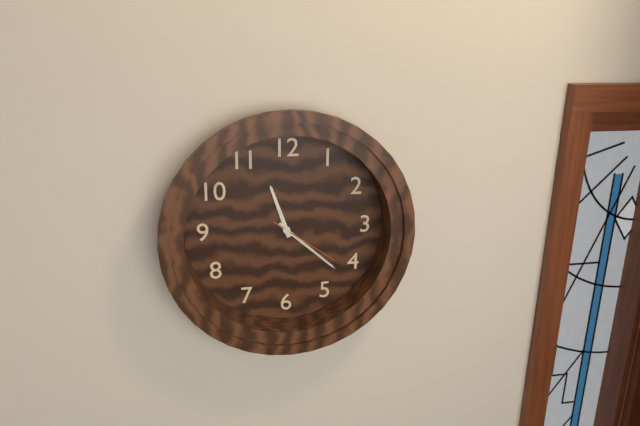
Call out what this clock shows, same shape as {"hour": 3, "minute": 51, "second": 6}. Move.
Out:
{"hour": 11, "minute": 22, "second": 21}
